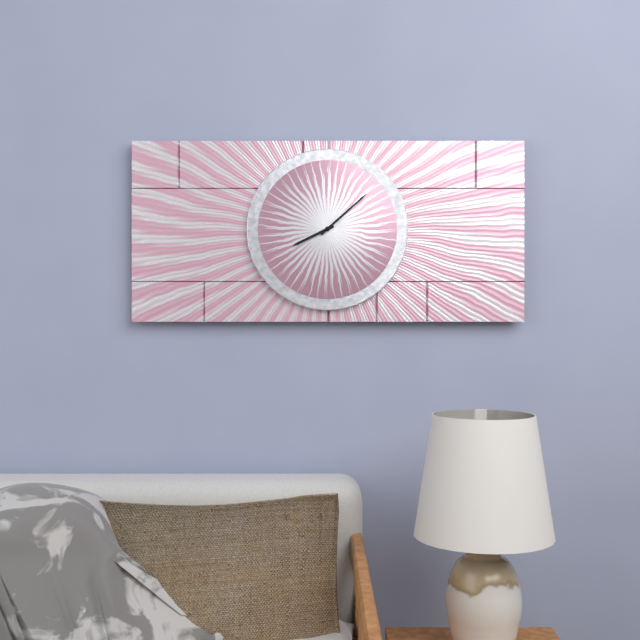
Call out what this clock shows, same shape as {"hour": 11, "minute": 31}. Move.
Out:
{"hour": 8, "minute": 8}
